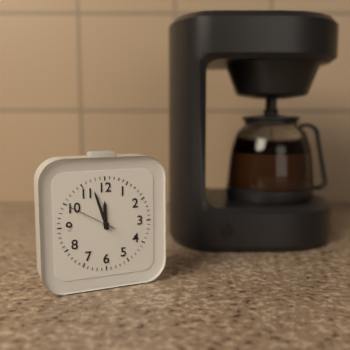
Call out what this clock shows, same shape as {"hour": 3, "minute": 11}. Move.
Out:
{"hour": 11, "minute": 57}
